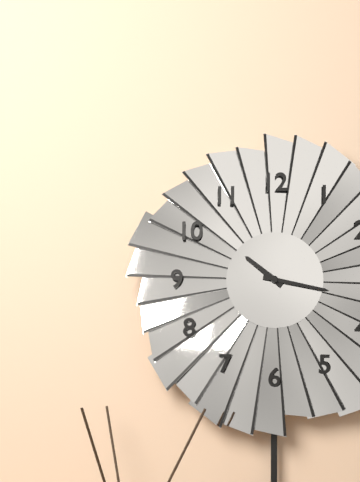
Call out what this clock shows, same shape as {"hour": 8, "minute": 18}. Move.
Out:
{"hour": 10, "minute": 17}
